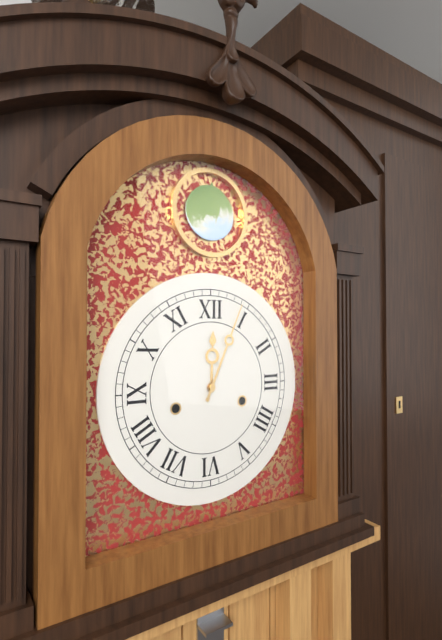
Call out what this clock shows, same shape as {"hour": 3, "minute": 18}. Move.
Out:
{"hour": 12, "minute": 4}
